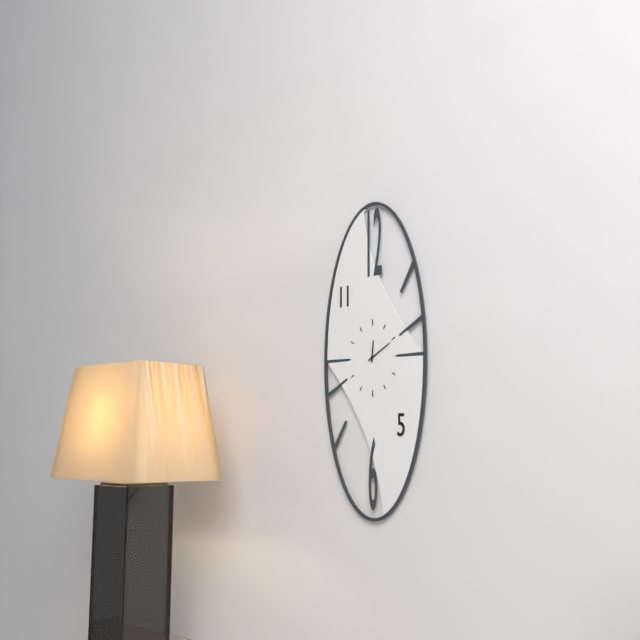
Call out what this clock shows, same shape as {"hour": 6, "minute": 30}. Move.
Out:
{"hour": 12, "minute": 10}
